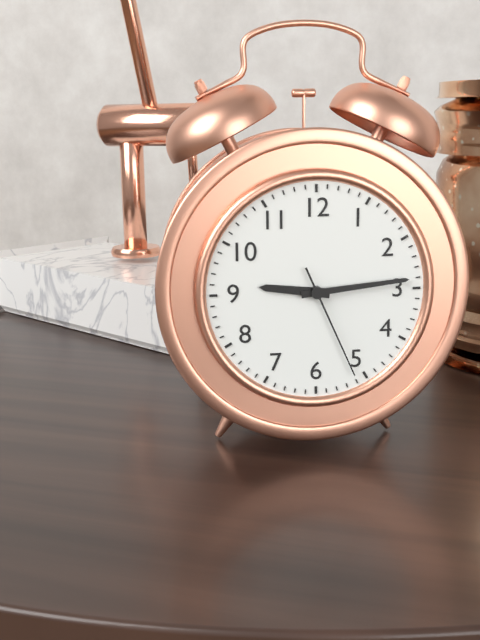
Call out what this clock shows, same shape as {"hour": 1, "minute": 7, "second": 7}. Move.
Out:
{"hour": 9, "minute": 14, "second": 26}
